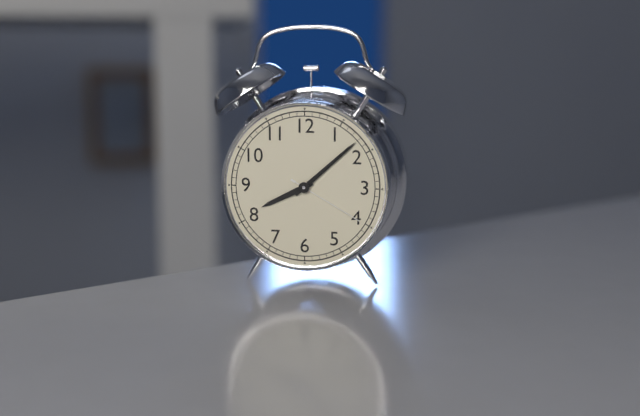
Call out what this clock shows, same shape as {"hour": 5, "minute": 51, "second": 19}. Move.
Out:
{"hour": 8, "minute": 8, "second": 20}
